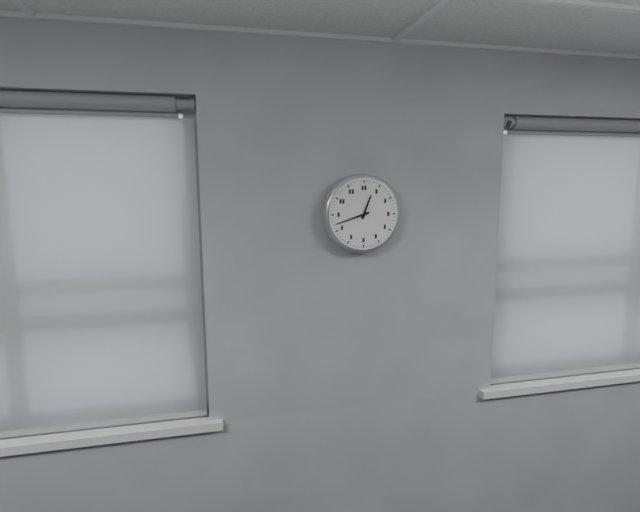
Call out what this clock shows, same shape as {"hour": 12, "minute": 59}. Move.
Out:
{"hour": 12, "minute": 42}
